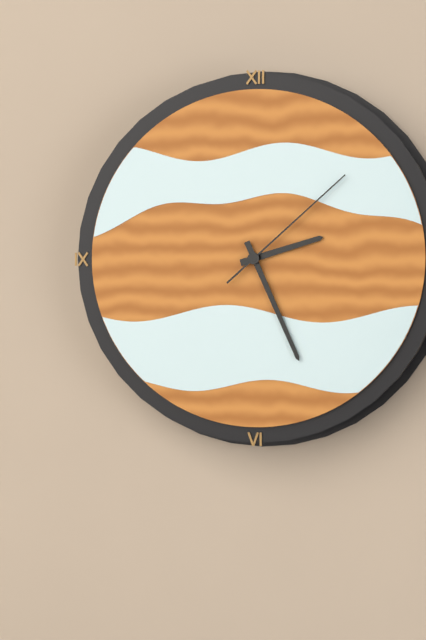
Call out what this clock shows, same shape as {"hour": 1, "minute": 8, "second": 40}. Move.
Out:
{"hour": 2, "minute": 26, "second": 8}
